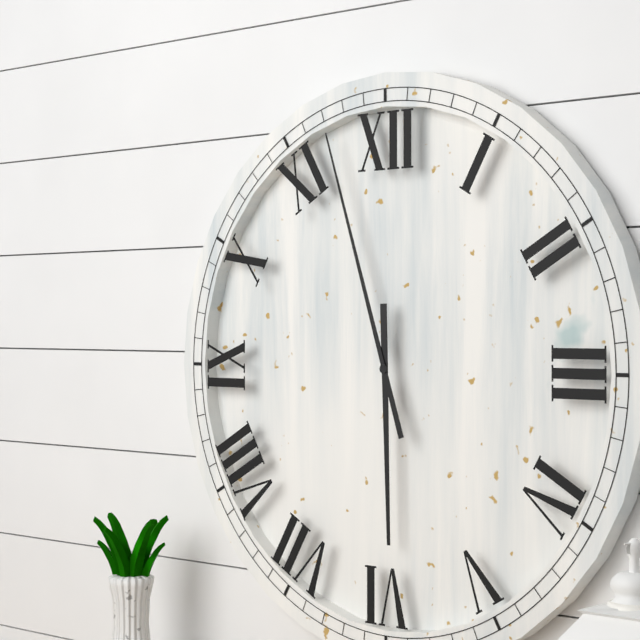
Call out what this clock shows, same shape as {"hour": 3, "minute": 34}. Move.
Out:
{"hour": 5, "minute": 57}
